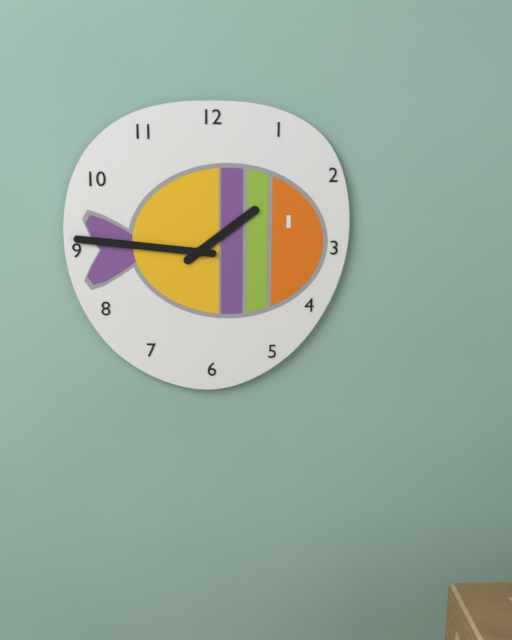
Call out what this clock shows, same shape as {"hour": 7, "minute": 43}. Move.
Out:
{"hour": 1, "minute": 46}
